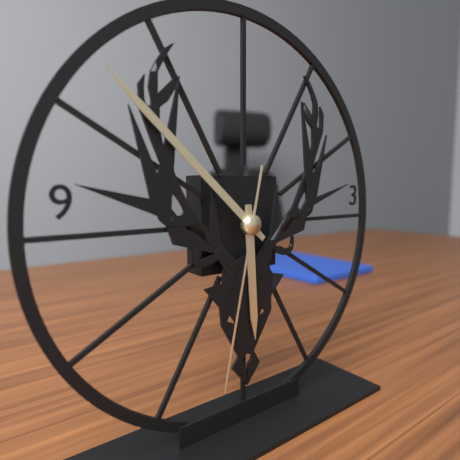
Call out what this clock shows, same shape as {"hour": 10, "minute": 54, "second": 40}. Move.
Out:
{"hour": 5, "minute": 52, "second": 32}
